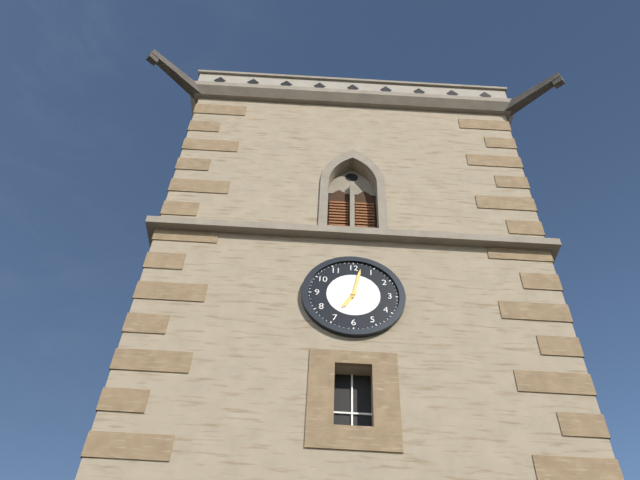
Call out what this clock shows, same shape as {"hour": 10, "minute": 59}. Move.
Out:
{"hour": 7, "minute": 2}
